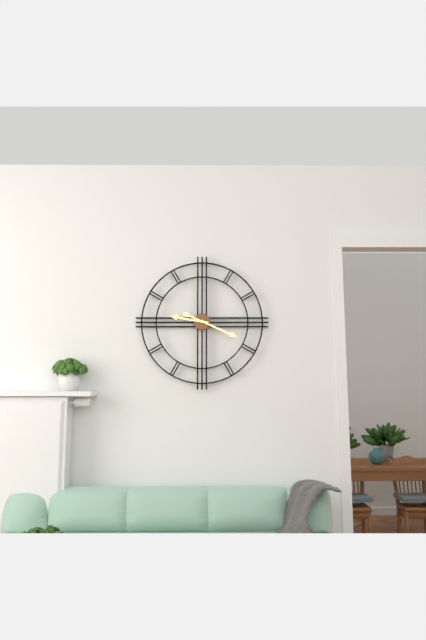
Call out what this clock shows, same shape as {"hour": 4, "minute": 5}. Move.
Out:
{"hour": 9, "minute": 19}
